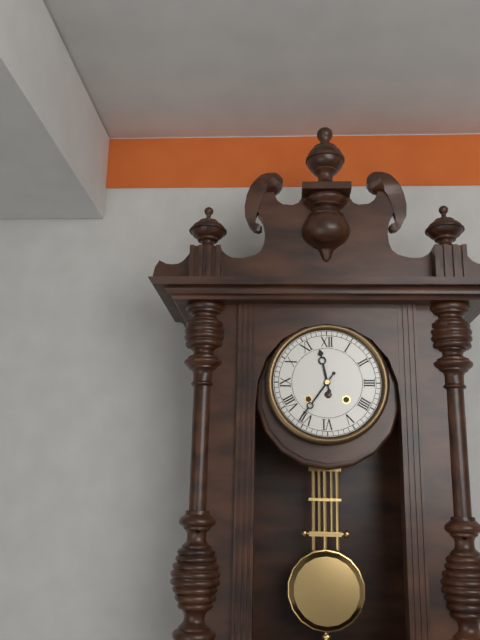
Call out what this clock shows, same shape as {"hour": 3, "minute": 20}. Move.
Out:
{"hour": 11, "minute": 36}
